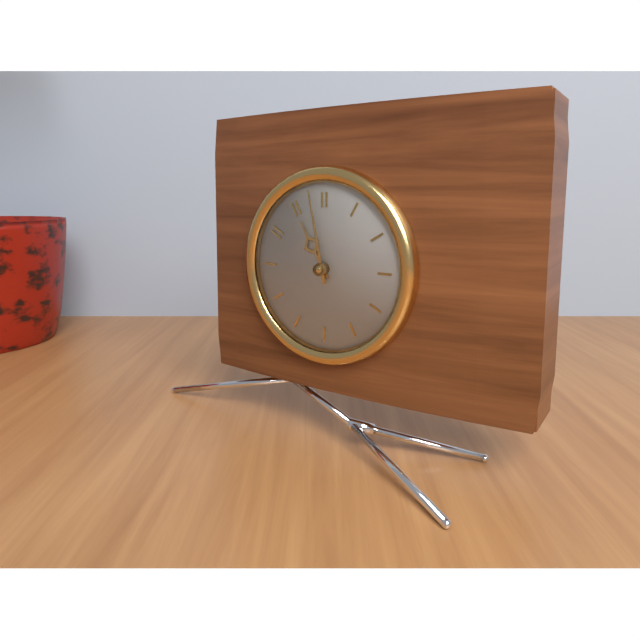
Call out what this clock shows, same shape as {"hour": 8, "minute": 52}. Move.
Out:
{"hour": 10, "minute": 58}
